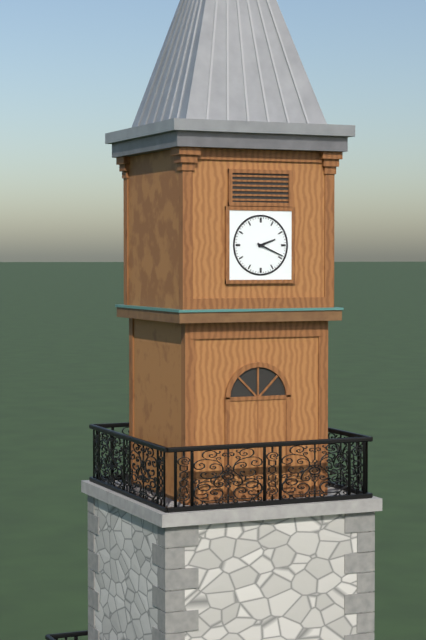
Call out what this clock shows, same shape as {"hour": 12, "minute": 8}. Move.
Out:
{"hour": 2, "minute": 19}
